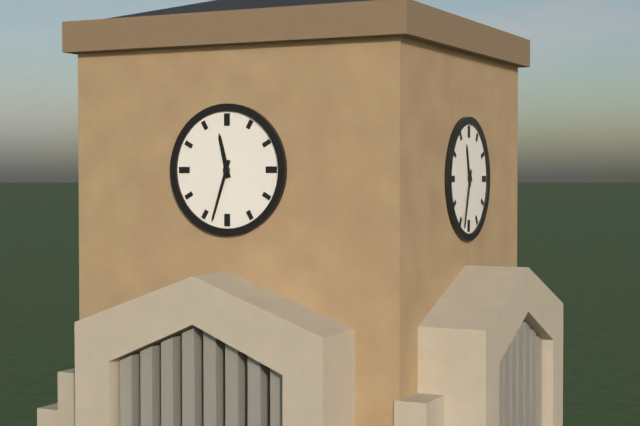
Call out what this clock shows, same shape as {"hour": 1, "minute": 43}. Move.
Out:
{"hour": 11, "minute": 33}
